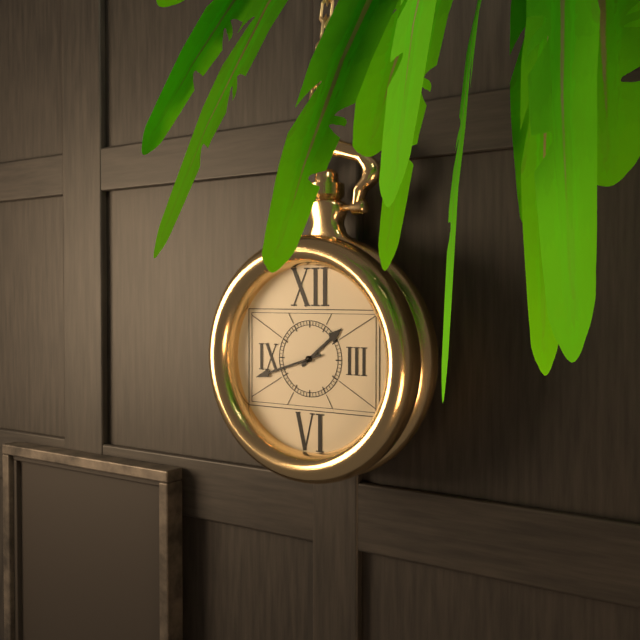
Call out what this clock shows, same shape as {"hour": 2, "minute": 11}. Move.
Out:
{"hour": 1, "minute": 42}
